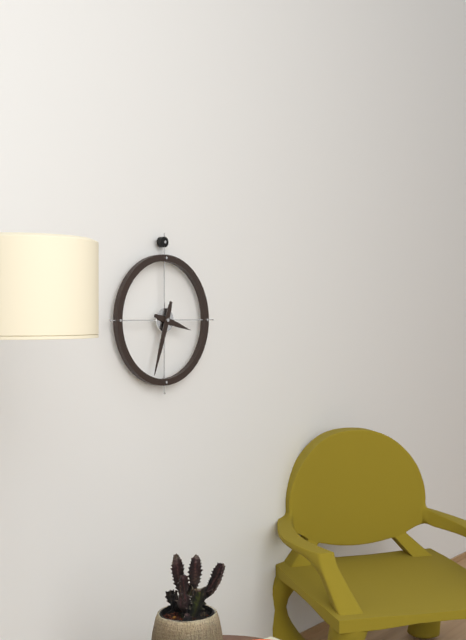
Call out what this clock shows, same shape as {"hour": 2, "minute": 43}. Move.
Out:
{"hour": 3, "minute": 33}
